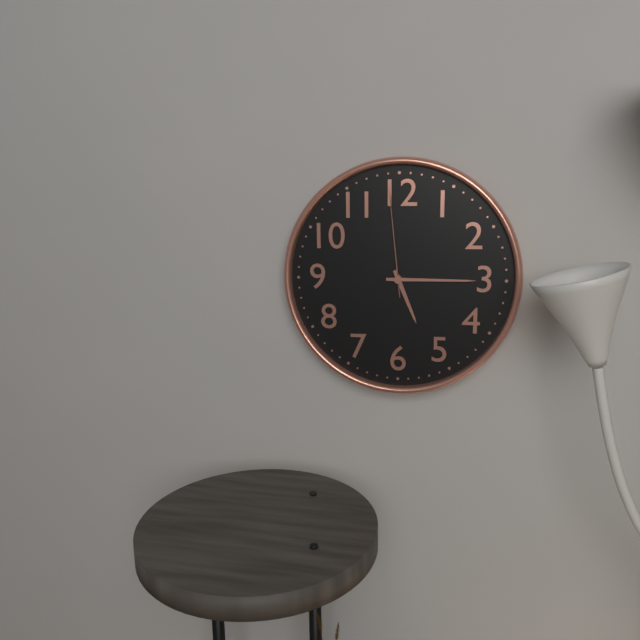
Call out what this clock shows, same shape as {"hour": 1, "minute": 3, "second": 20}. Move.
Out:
{"hour": 5, "minute": 15, "second": 59}
